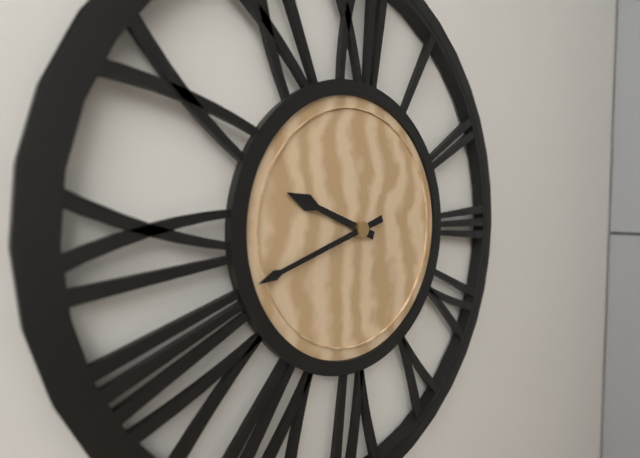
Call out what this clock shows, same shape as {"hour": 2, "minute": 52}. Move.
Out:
{"hour": 9, "minute": 42}
